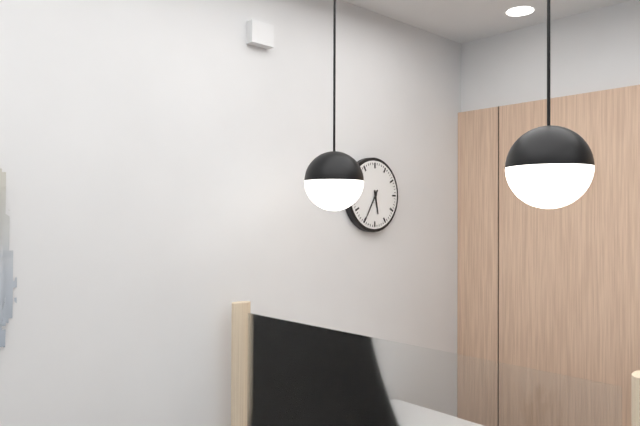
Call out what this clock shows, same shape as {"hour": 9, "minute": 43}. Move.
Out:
{"hour": 5, "minute": 35}
